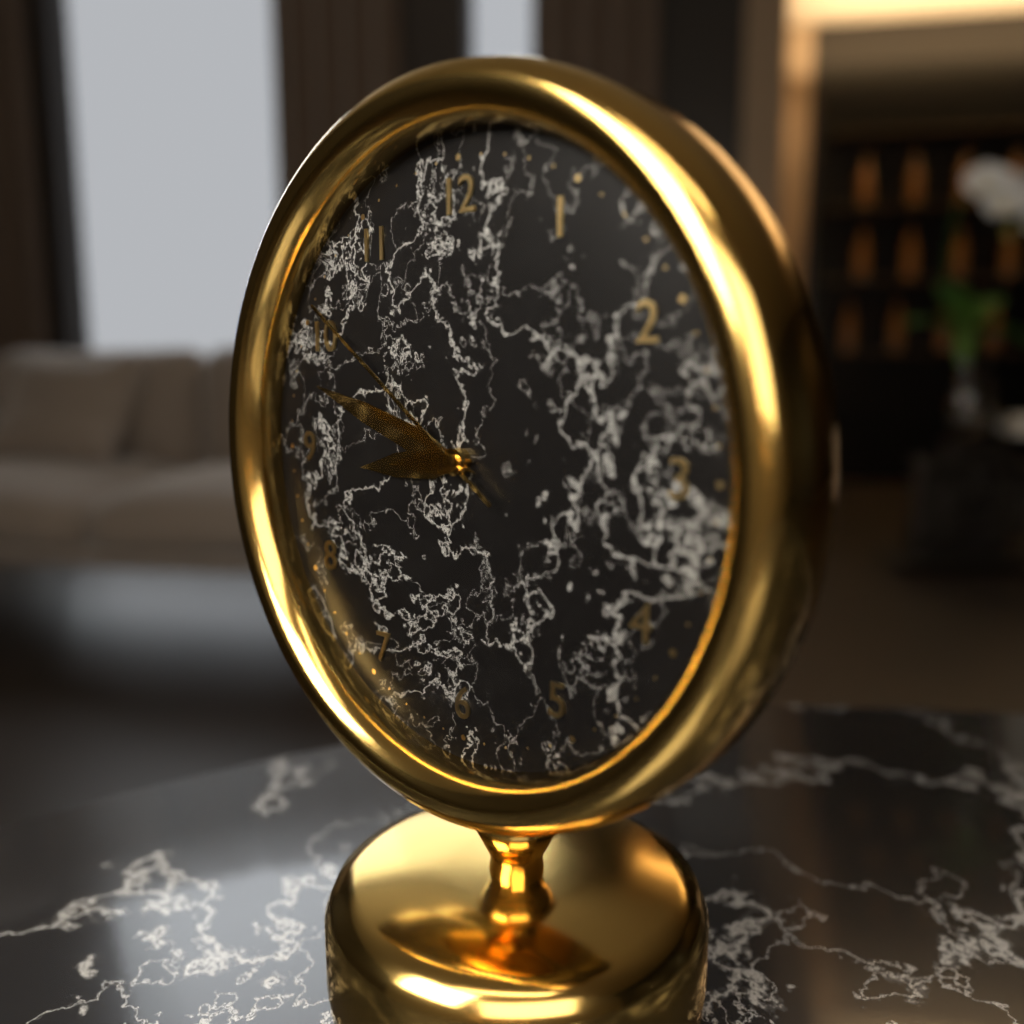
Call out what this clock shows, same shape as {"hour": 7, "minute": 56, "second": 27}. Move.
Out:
{"hour": 8, "minute": 48, "second": 51}
